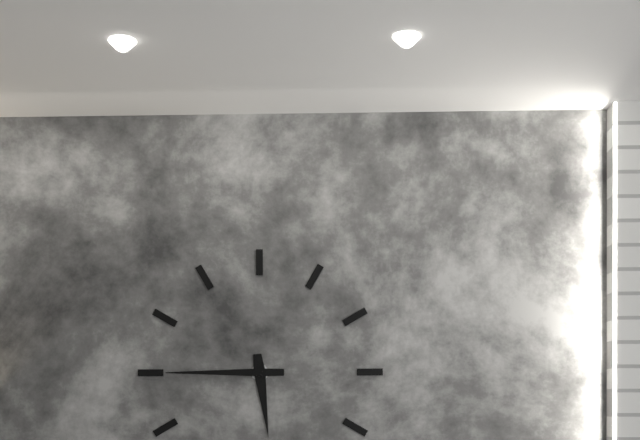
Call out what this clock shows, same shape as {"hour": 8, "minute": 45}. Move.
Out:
{"hour": 5, "minute": 45}
